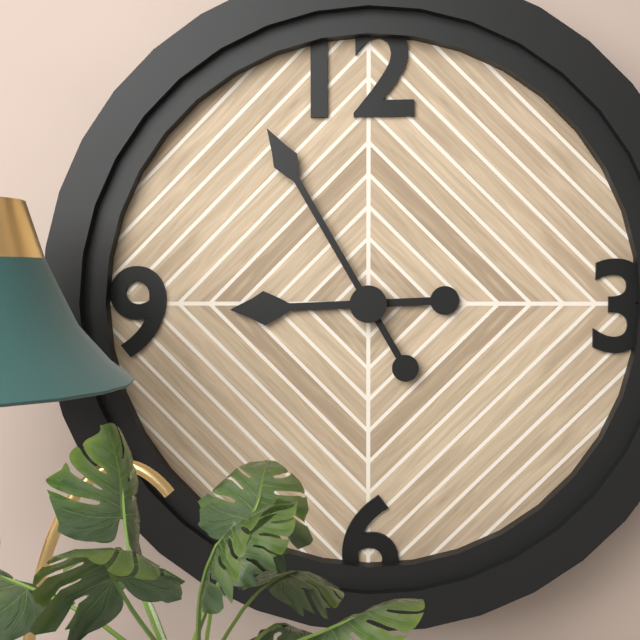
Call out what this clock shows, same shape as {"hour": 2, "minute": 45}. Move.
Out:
{"hour": 8, "minute": 55}
